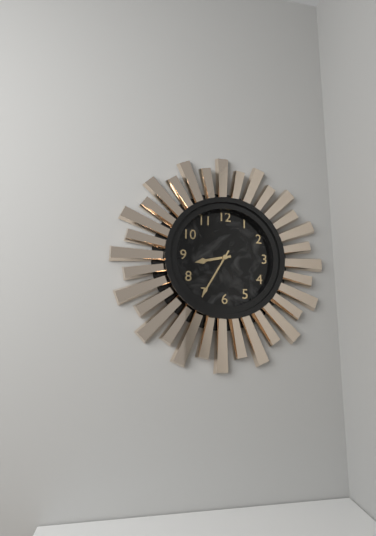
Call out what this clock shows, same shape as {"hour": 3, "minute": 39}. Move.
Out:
{"hour": 8, "minute": 35}
